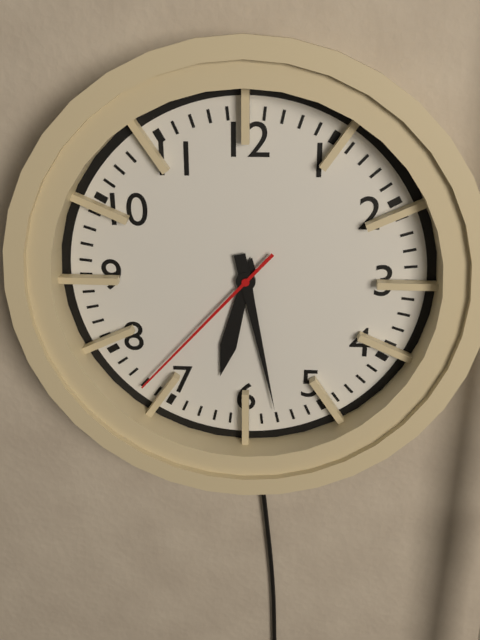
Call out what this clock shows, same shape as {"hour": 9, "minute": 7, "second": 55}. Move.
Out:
{"hour": 6, "minute": 28, "second": 37}
